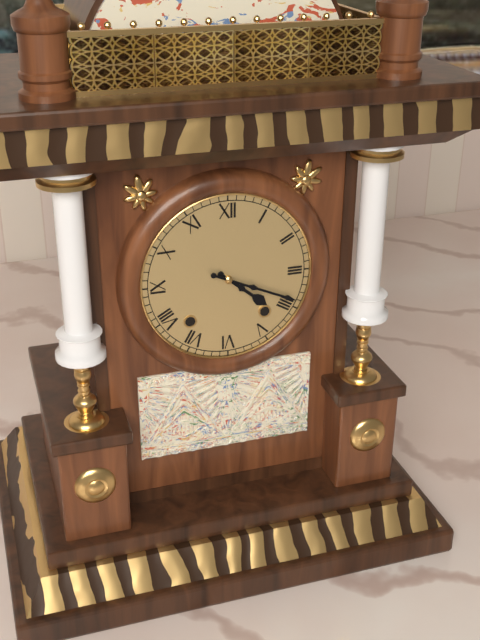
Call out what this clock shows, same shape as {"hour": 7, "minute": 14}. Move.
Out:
{"hour": 4, "minute": 19}
